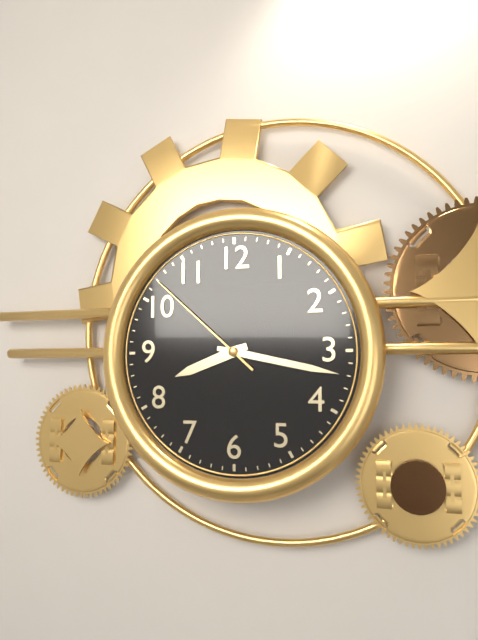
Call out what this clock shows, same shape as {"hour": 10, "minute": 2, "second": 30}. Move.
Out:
{"hour": 8, "minute": 17, "second": 52}
